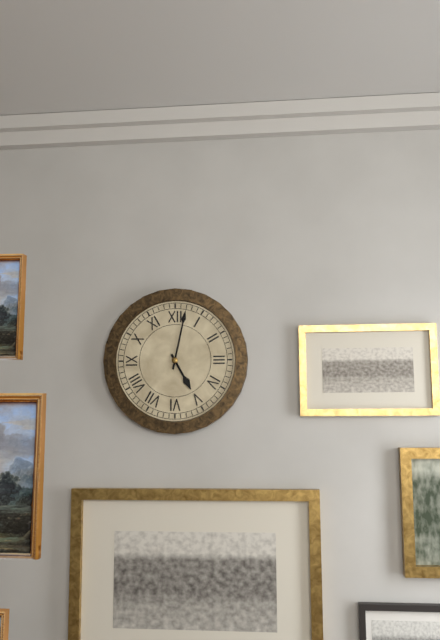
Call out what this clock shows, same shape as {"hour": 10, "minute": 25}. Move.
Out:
{"hour": 5, "minute": 2}
